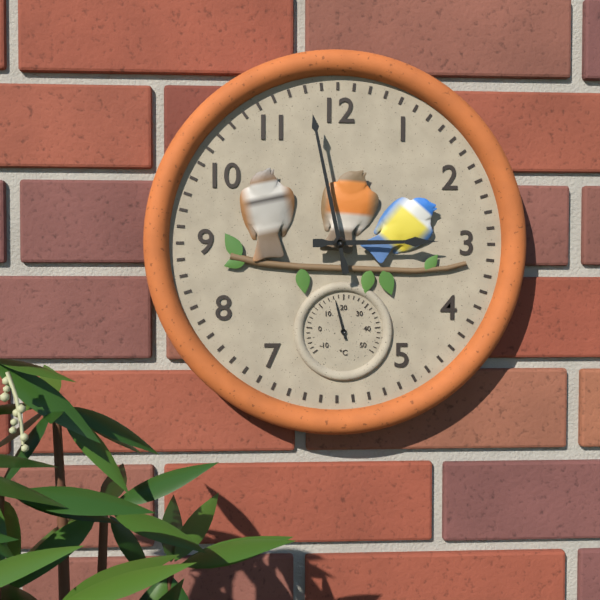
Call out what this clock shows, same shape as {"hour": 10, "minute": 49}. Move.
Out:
{"hour": 2, "minute": 58}
